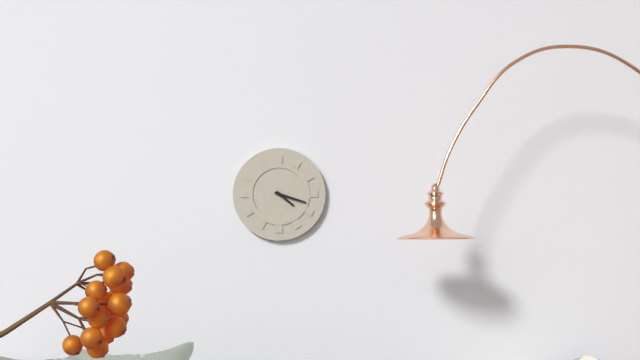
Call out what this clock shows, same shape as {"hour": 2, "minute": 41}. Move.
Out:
{"hour": 4, "minute": 18}
